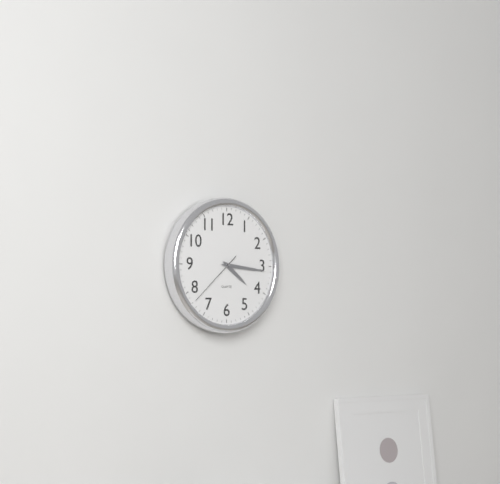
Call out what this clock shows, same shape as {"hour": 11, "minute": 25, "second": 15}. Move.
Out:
{"hour": 4, "minute": 16, "second": 38}
